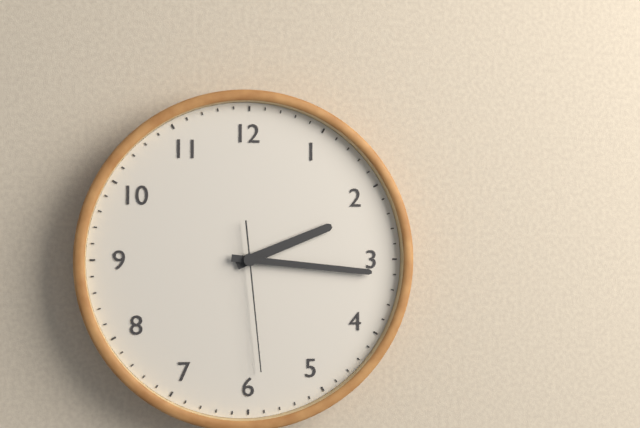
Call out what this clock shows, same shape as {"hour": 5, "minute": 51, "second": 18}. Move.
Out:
{"hour": 2, "minute": 16, "second": 29}
